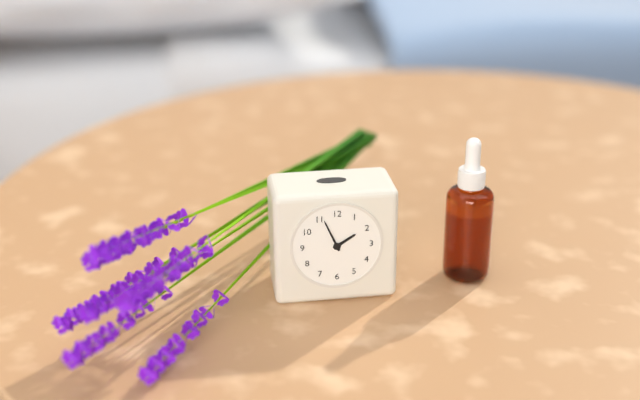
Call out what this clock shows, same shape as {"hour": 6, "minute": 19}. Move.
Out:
{"hour": 1, "minute": 56}
